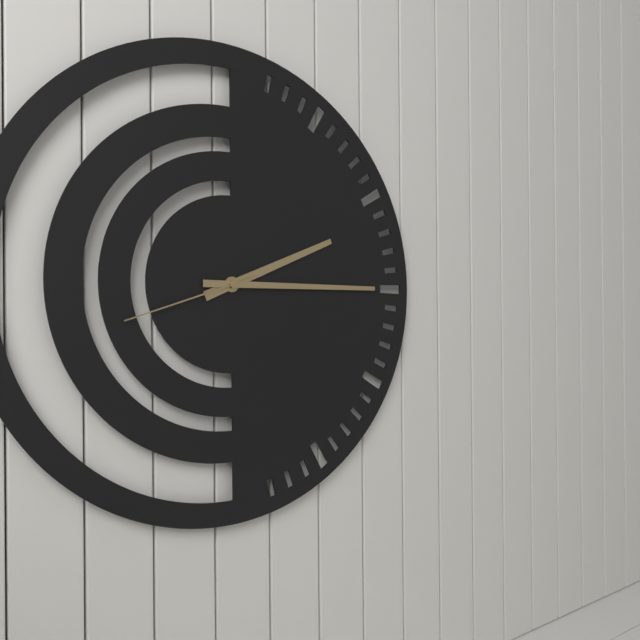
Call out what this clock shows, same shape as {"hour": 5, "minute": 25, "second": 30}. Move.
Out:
{"hour": 2, "minute": 15, "second": 42}
